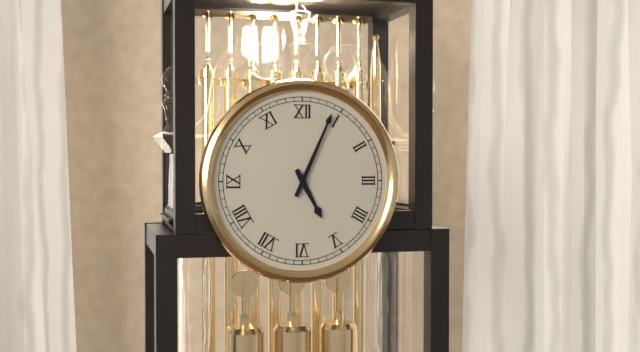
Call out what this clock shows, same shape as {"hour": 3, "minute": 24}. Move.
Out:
{"hour": 5, "minute": 4}
